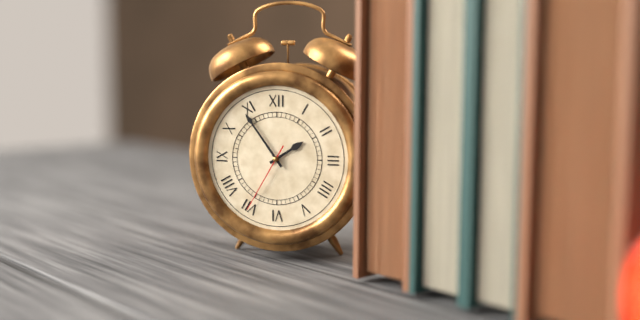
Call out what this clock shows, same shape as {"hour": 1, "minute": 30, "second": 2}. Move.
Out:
{"hour": 1, "minute": 54, "second": 35}
